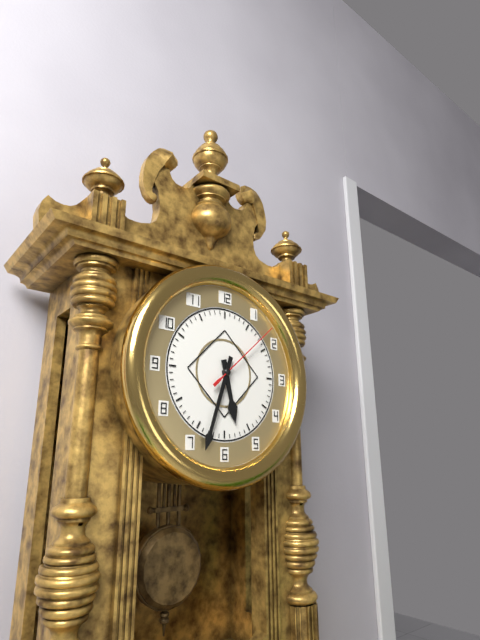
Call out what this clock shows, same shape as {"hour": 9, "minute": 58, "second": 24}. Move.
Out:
{"hour": 5, "minute": 33, "second": 8}
